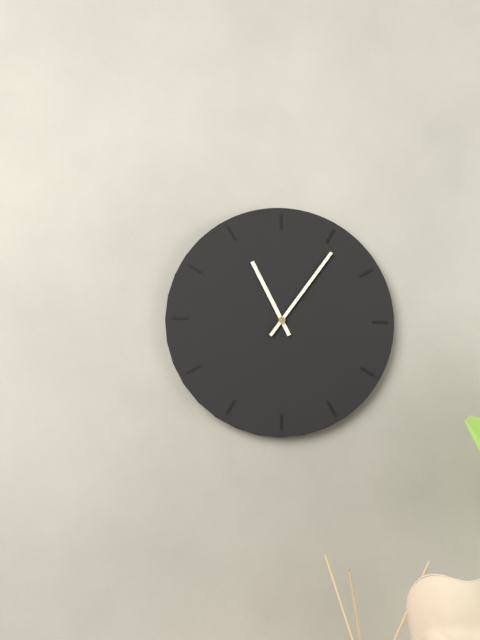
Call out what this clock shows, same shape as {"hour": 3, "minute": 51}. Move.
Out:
{"hour": 11, "minute": 6}
